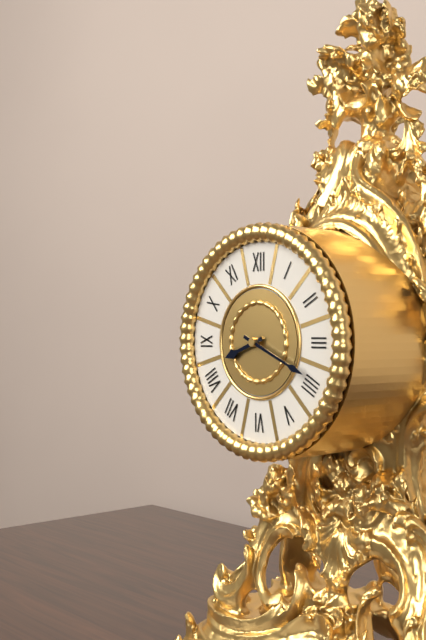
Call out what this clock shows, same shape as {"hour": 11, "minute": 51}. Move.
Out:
{"hour": 8, "minute": 19}
